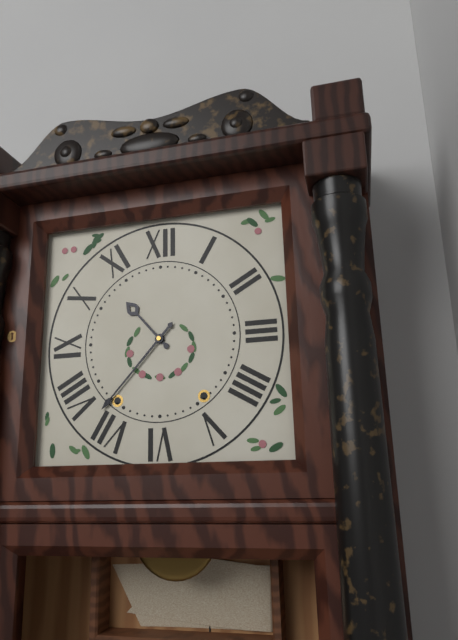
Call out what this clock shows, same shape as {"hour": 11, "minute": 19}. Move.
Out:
{"hour": 10, "minute": 37}
